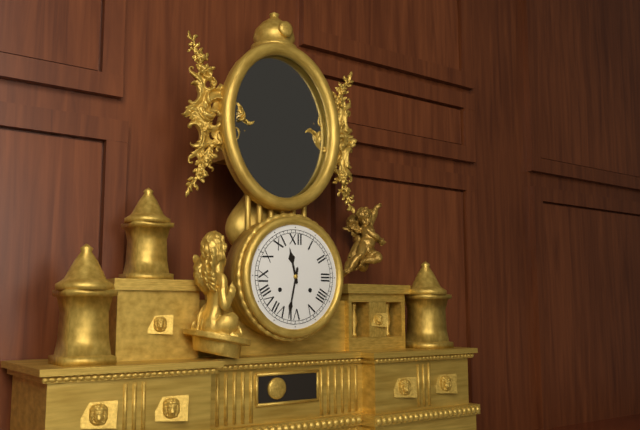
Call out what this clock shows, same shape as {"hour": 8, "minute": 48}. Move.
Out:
{"hour": 11, "minute": 32}
